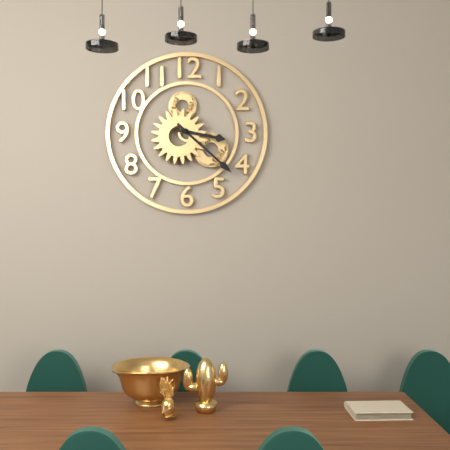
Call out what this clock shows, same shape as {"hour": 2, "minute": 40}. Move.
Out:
{"hour": 3, "minute": 22}
